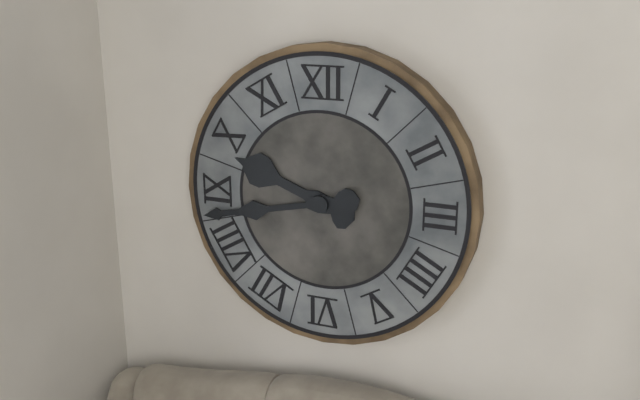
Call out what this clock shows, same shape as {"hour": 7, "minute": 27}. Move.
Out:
{"hour": 9, "minute": 43}
